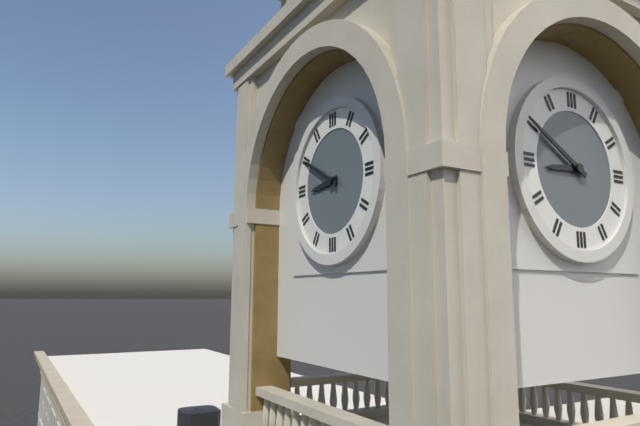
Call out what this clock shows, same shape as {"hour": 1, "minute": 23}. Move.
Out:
{"hour": 8, "minute": 50}
